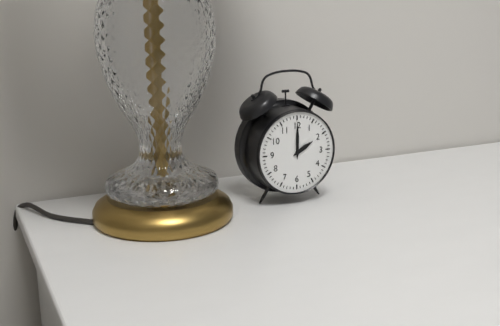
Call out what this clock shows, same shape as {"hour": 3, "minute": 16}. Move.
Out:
{"hour": 2, "minute": 0}
